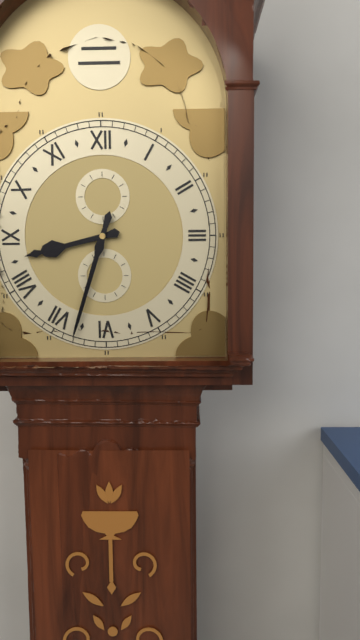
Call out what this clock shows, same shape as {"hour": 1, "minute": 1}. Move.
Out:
{"hour": 8, "minute": 33}
